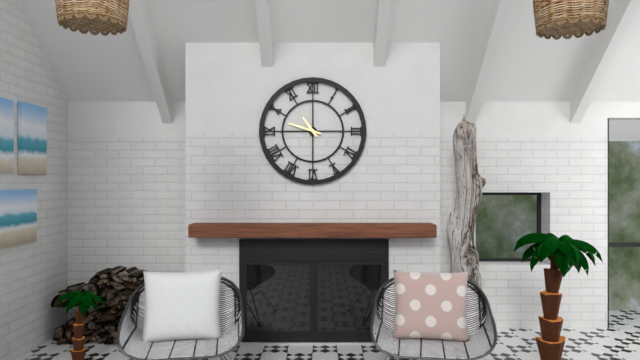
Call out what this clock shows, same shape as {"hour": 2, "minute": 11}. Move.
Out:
{"hour": 10, "minute": 48}
